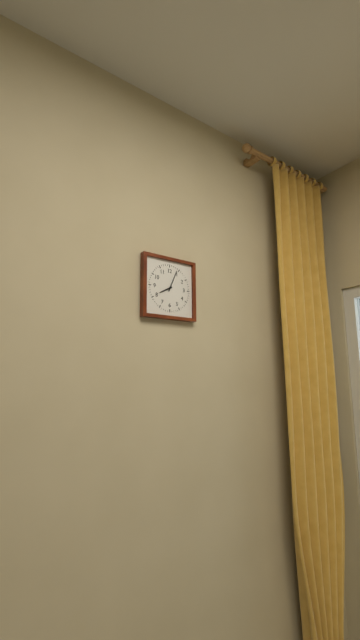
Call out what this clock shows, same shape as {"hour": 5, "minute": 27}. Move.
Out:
{"hour": 8, "minute": 4}
